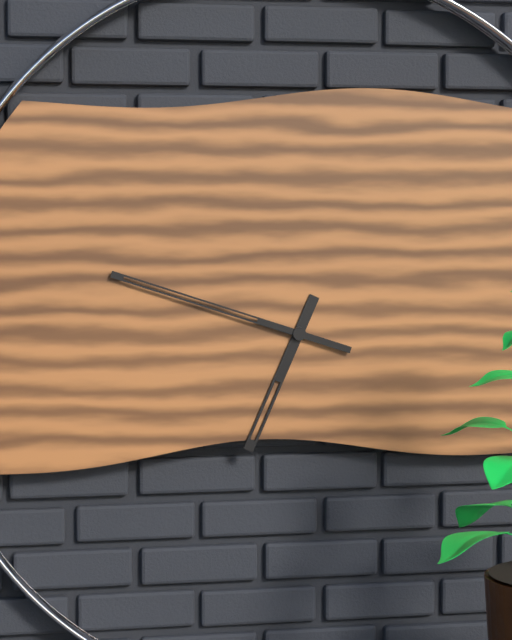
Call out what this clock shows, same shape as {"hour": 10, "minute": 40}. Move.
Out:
{"hour": 6, "minute": 48}
